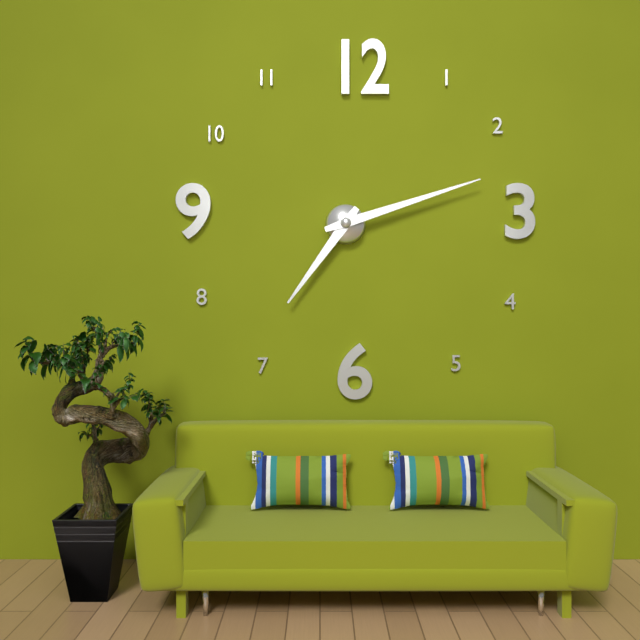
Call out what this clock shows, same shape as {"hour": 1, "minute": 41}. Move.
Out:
{"hour": 7, "minute": 12}
